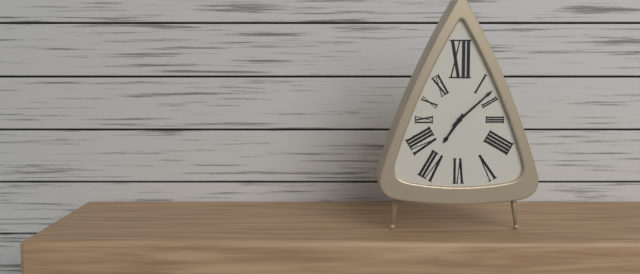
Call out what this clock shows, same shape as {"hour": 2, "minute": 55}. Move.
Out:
{"hour": 7, "minute": 8}
